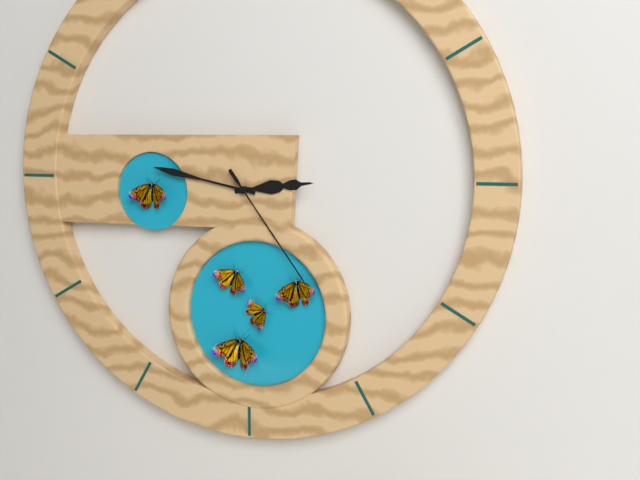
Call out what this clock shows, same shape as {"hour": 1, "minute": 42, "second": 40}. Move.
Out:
{"hour": 2, "minute": 47, "second": 24}
